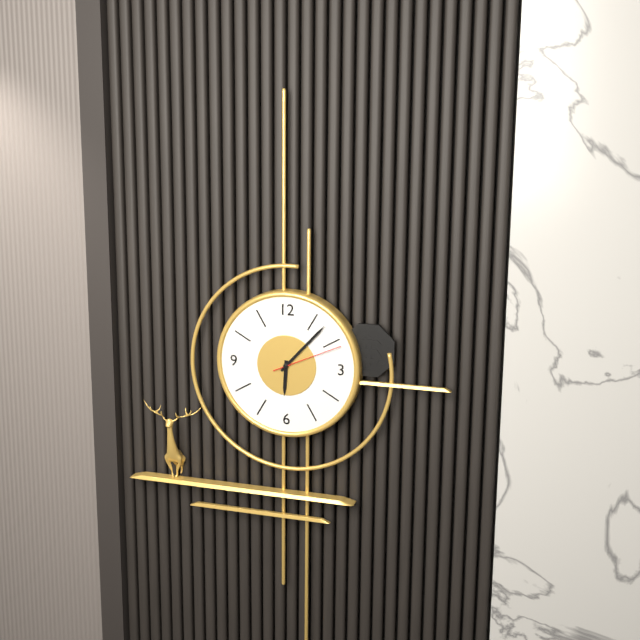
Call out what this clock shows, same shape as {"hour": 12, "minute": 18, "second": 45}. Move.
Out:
{"hour": 6, "minute": 7, "second": 11}
